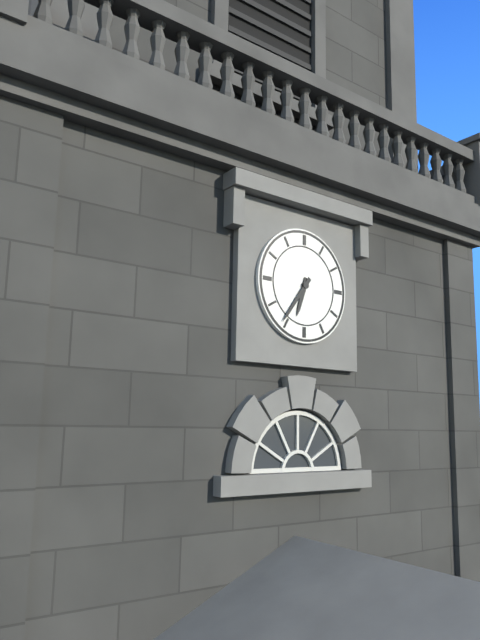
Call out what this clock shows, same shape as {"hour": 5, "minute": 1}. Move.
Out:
{"hour": 6, "minute": 36}
